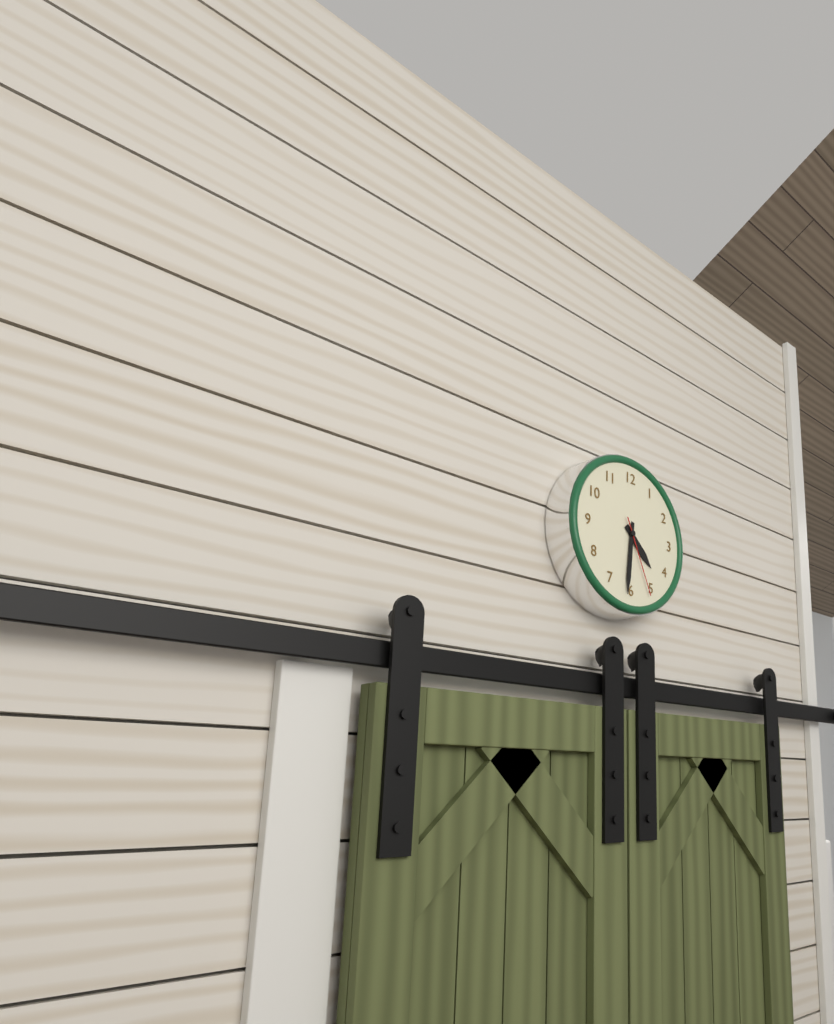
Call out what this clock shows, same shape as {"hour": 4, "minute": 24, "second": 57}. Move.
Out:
{"hour": 4, "minute": 31, "second": 26}
